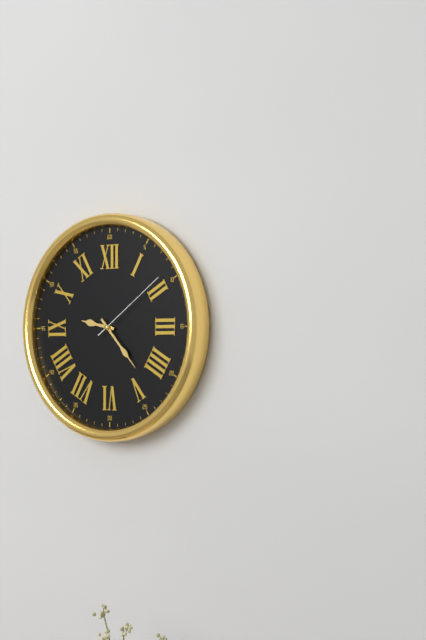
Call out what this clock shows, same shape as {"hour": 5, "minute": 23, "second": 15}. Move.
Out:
{"hour": 9, "minute": 23, "second": 9}
